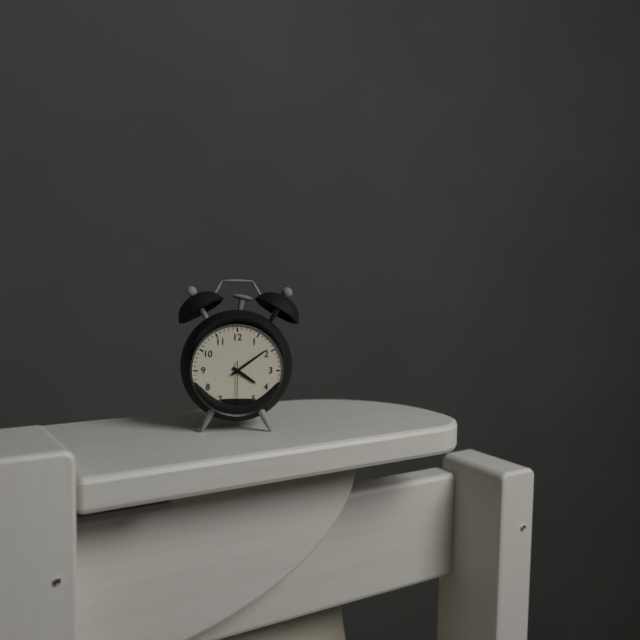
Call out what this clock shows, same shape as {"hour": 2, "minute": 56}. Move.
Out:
{"hour": 4, "minute": 9}
